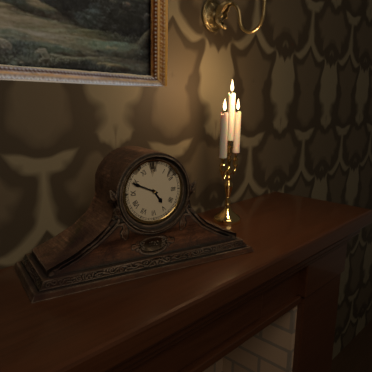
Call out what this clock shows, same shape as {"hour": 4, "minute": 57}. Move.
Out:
{"hour": 4, "minute": 49}
